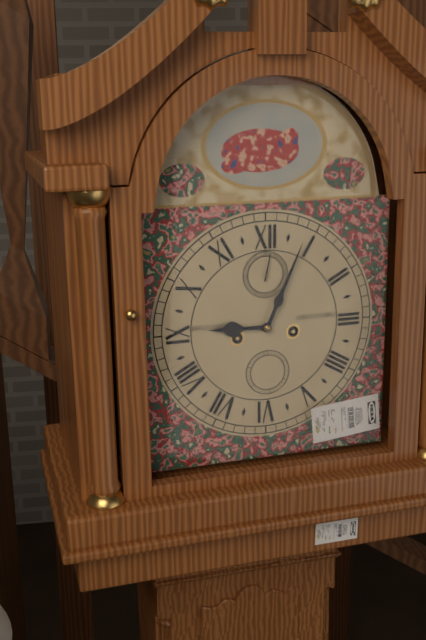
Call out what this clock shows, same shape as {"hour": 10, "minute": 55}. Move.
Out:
{"hour": 9, "minute": 4}
